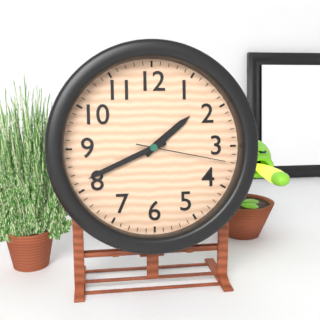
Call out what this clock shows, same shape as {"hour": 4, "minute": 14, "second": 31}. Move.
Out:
{"hour": 1, "minute": 41, "second": 17}
